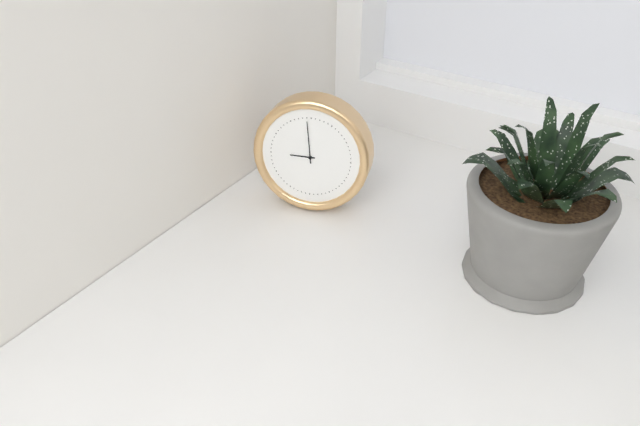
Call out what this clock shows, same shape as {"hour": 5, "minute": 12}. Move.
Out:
{"hour": 8, "minute": 59}
